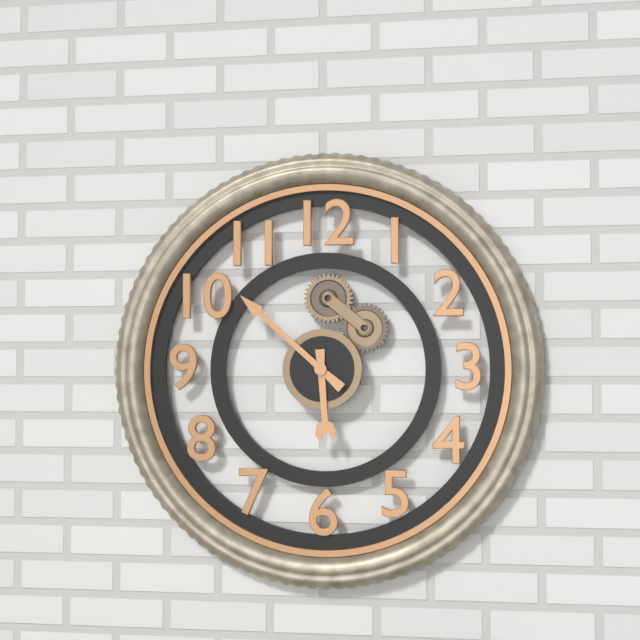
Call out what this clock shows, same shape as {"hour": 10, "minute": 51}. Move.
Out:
{"hour": 5, "minute": 52}
